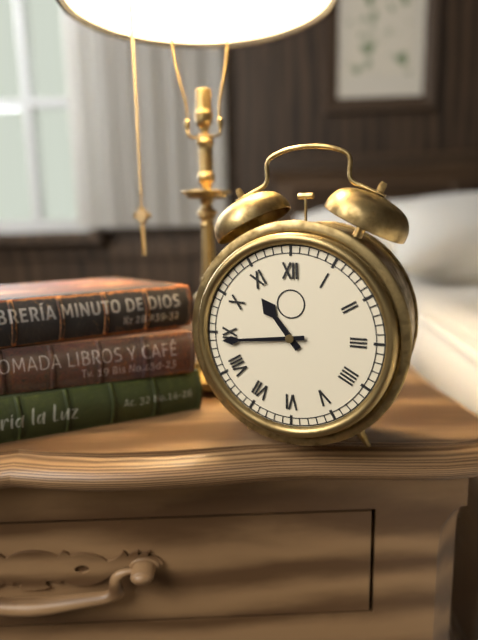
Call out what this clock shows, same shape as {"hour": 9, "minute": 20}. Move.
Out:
{"hour": 10, "minute": 44}
